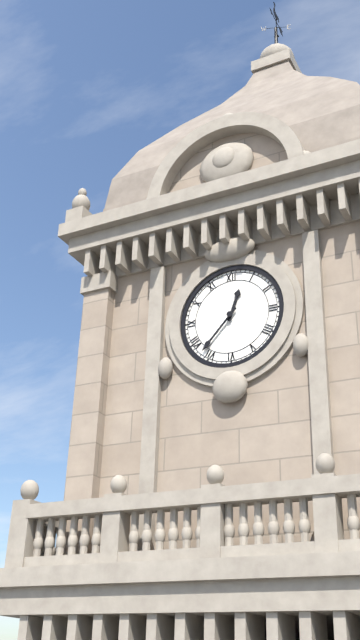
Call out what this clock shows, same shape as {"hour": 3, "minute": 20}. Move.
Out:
{"hour": 12, "minute": 37}
